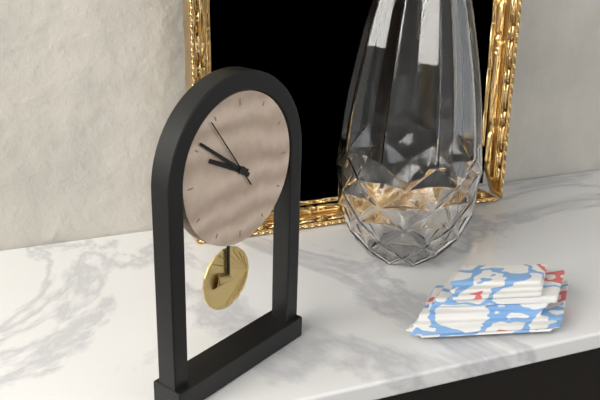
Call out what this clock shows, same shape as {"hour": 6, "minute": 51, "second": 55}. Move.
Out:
{"hour": 9, "minute": 51, "second": 54}
